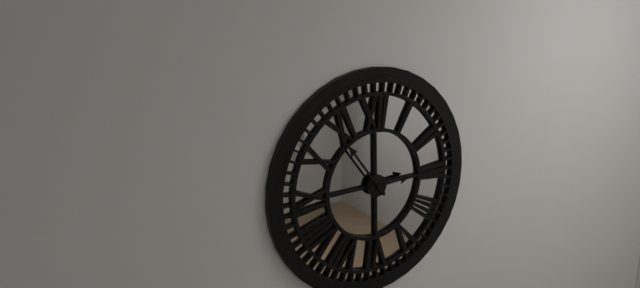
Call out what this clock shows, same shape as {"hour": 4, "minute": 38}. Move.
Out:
{"hour": 2, "minute": 54}
